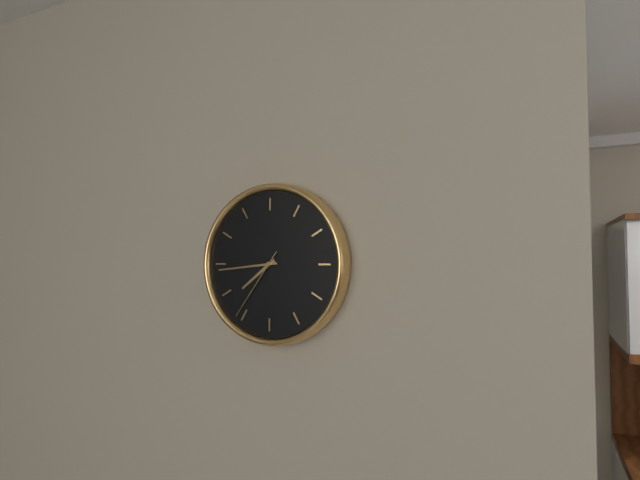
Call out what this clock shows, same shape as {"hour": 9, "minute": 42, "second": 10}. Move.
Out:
{"hour": 7, "minute": 44, "second": 36}
